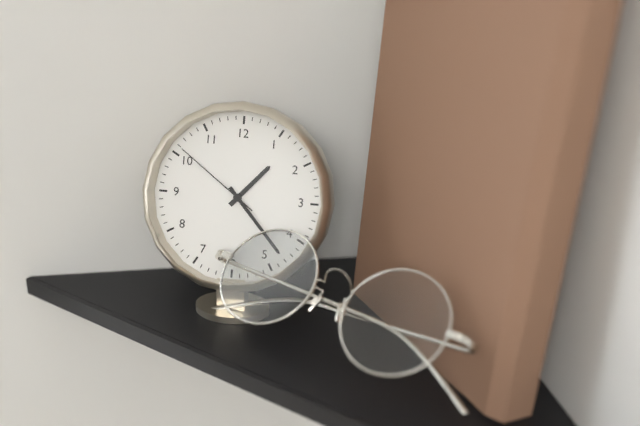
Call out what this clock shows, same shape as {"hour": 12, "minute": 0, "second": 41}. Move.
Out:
{"hour": 1, "minute": 23, "second": 51}
